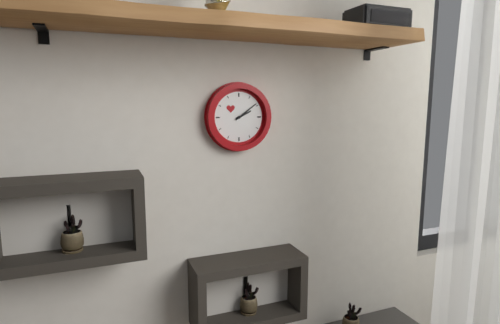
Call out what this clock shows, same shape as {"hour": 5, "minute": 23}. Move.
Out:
{"hour": 2, "minute": 9}
